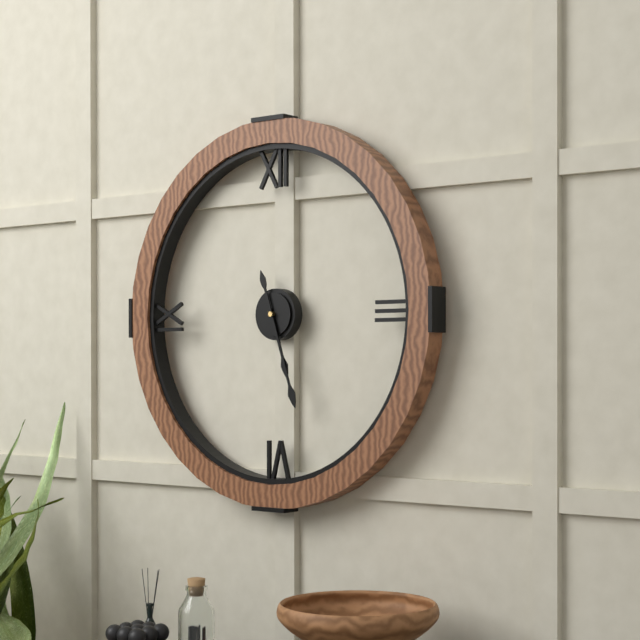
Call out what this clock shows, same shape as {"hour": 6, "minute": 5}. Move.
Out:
{"hour": 5, "minute": 27}
